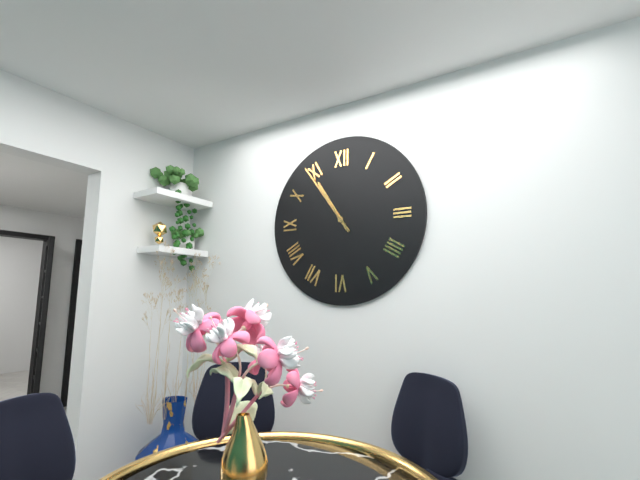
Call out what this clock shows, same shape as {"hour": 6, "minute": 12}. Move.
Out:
{"hour": 10, "minute": 54}
